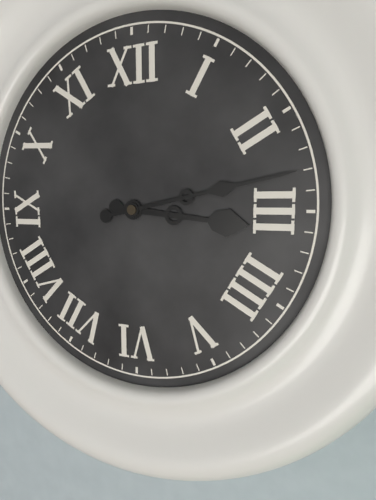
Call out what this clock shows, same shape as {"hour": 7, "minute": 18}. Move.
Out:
{"hour": 3, "minute": 13}
